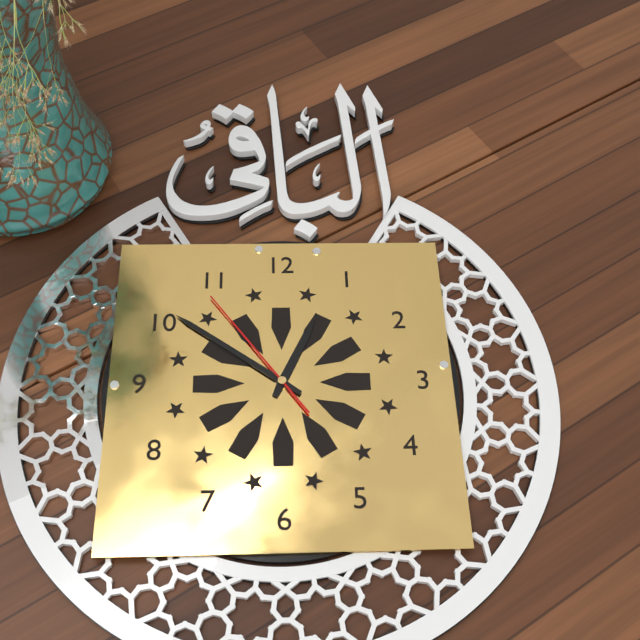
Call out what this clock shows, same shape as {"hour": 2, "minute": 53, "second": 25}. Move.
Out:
{"hour": 12, "minute": 51, "second": 54}
